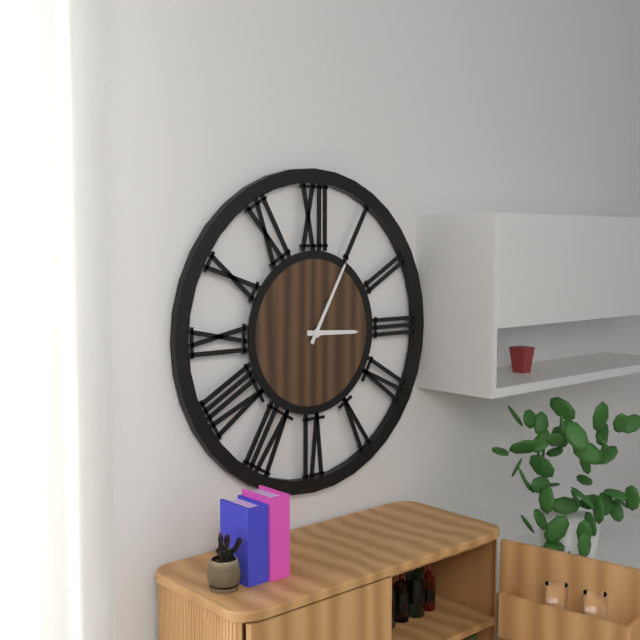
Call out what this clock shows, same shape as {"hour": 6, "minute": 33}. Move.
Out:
{"hour": 3, "minute": 5}
